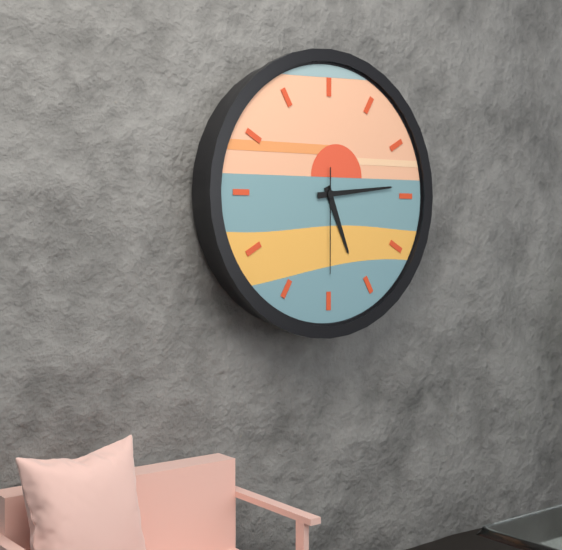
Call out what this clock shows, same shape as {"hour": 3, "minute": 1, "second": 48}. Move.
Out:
{"hour": 5, "minute": 14, "second": 30}
